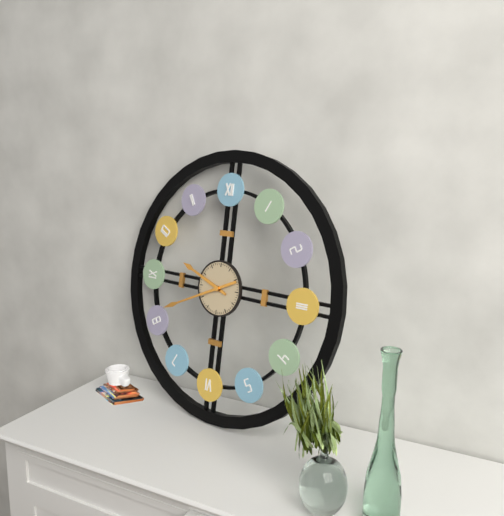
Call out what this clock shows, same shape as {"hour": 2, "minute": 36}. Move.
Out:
{"hour": 9, "minute": 41}
